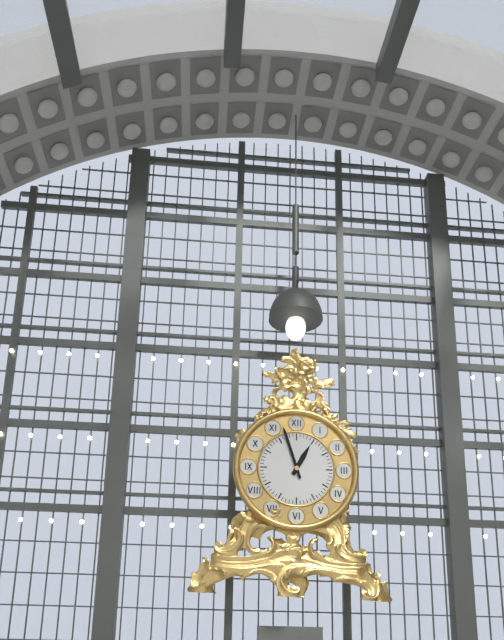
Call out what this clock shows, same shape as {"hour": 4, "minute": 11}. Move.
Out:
{"hour": 12, "minute": 57}
